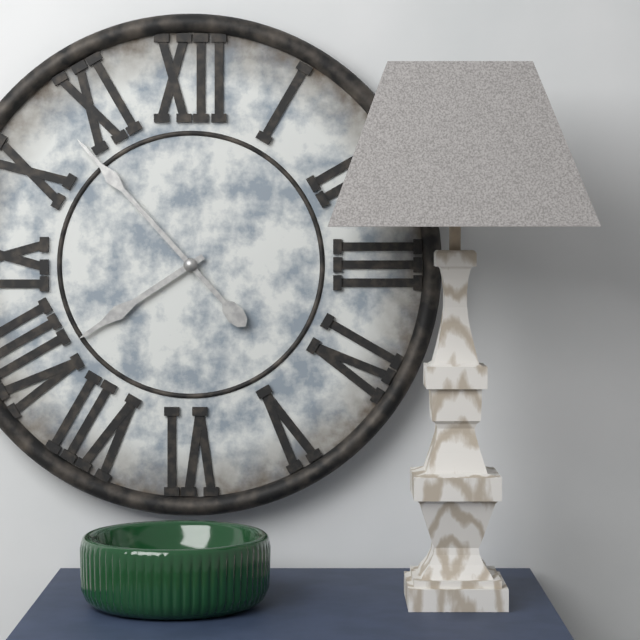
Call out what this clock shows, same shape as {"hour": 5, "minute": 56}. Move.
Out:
{"hour": 7, "minute": 53}
